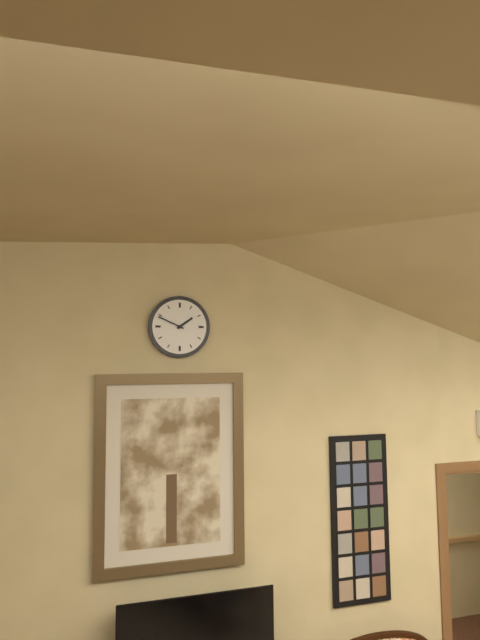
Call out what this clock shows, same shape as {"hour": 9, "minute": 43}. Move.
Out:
{"hour": 1, "minute": 49}
